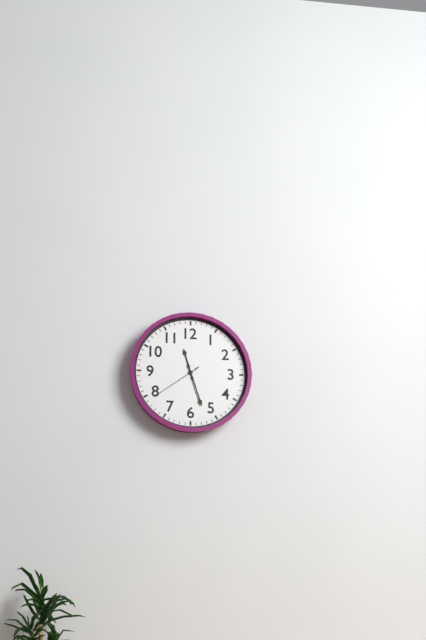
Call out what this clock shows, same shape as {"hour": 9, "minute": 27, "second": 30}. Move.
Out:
{"hour": 11, "minute": 27, "second": 39}
